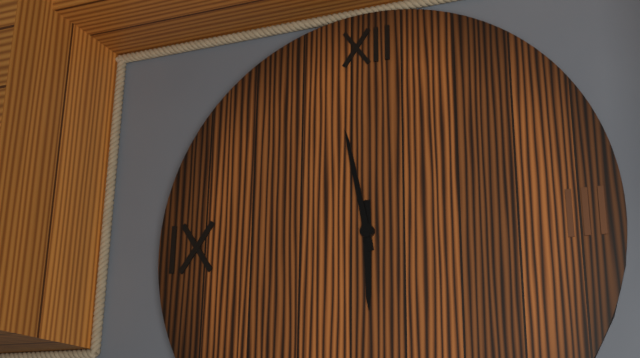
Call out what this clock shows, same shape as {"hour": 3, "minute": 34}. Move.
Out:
{"hour": 5, "minute": 58}
